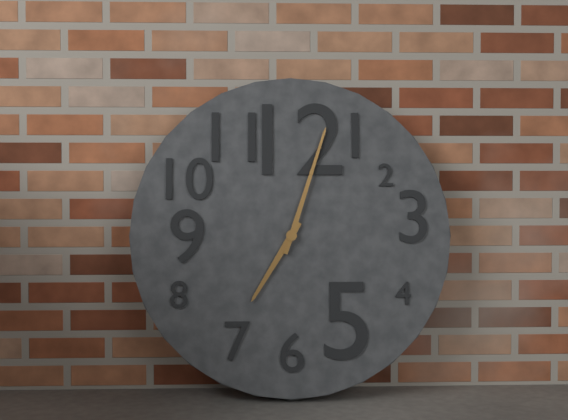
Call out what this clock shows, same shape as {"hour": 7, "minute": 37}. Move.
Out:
{"hour": 7, "minute": 3}
